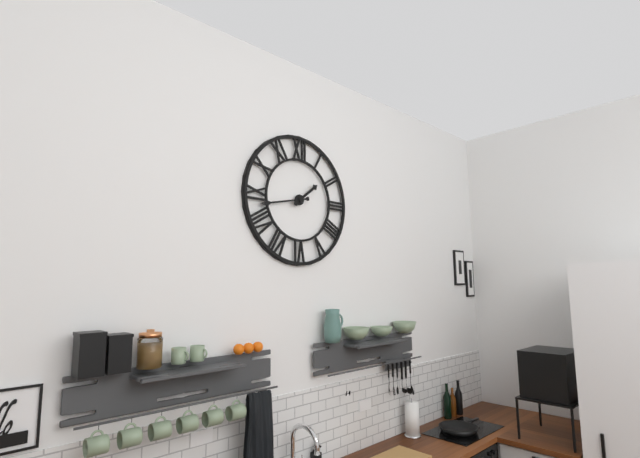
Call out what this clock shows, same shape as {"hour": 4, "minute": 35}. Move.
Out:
{"hour": 1, "minute": 43}
